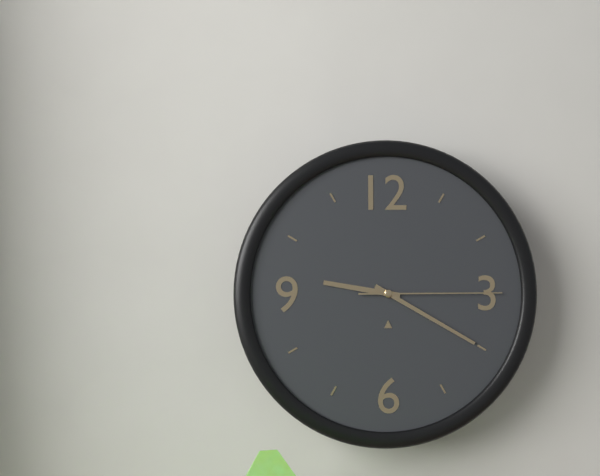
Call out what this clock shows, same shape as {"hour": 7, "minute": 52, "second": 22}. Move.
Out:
{"hour": 9, "minute": 20, "second": 15}
